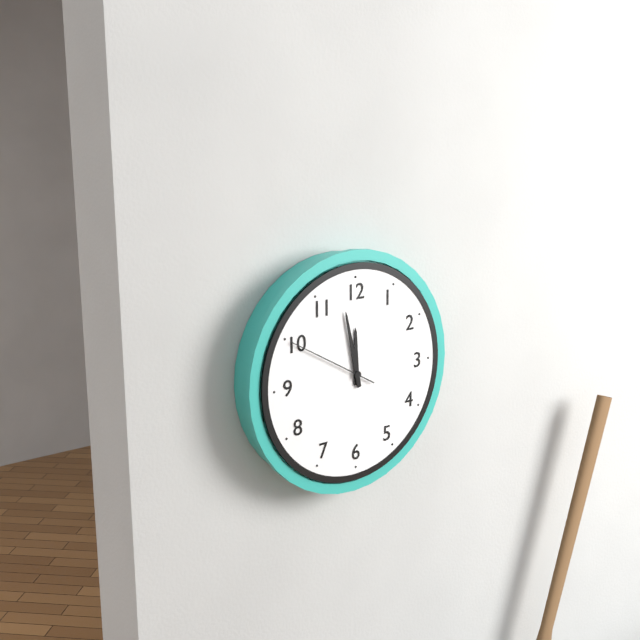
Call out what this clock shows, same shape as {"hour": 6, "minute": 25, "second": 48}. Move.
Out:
{"hour": 11, "minute": 58, "second": 50}
